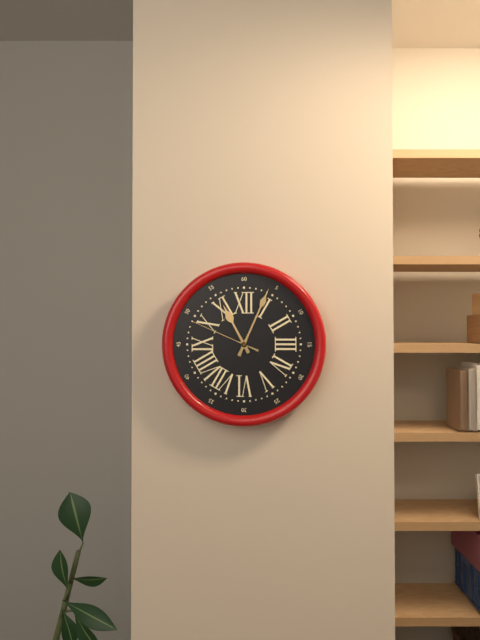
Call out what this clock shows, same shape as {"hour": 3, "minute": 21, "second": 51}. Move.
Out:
{"hour": 11, "minute": 4, "second": 49}
